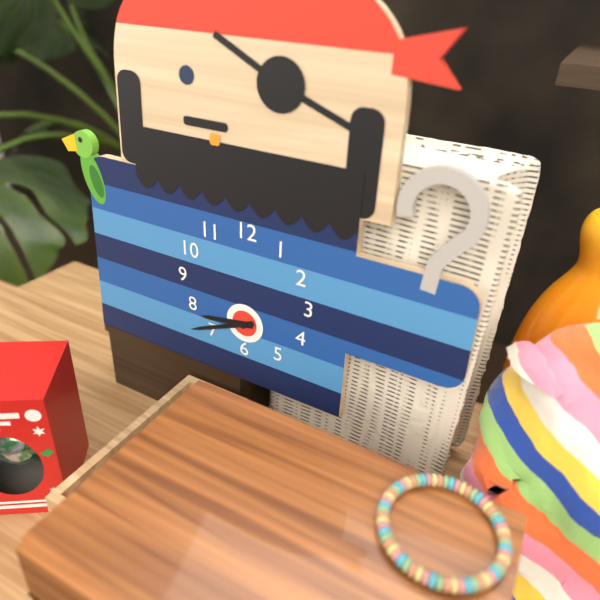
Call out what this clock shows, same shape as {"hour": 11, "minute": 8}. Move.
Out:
{"hour": 8, "minute": 41}
